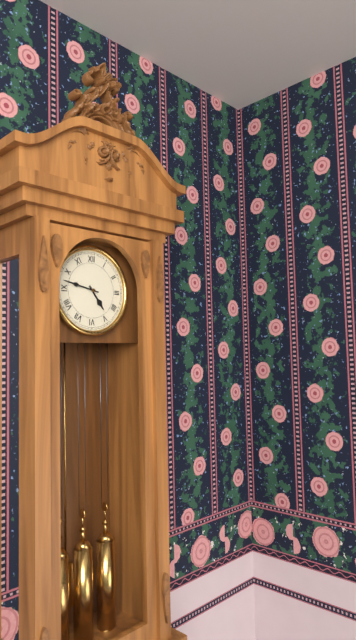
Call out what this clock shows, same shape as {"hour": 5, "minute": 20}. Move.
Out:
{"hour": 4, "minute": 47}
